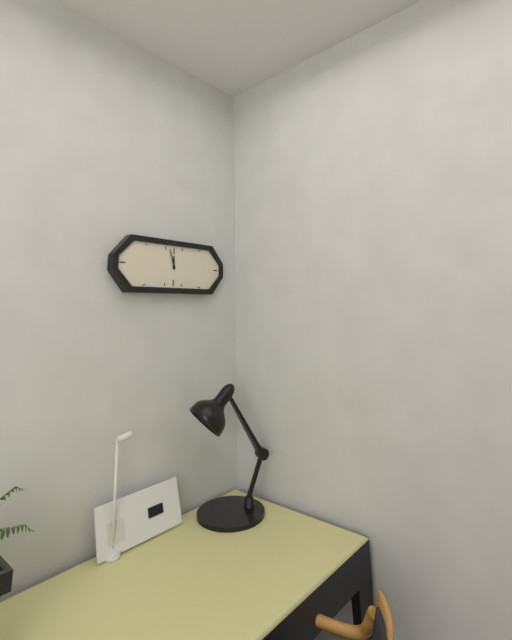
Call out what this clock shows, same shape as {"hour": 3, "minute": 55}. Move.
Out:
{"hour": 11, "minute": 57}
